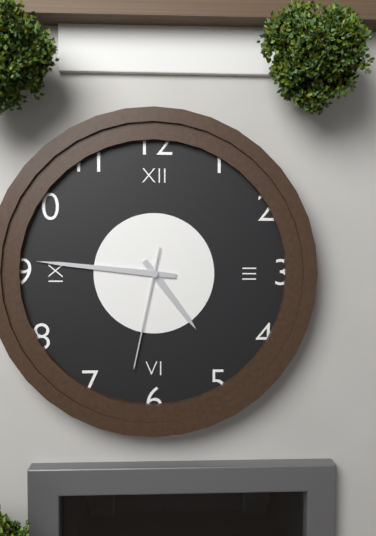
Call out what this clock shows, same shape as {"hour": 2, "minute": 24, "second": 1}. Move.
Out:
{"hour": 4, "minute": 46, "second": 32}
